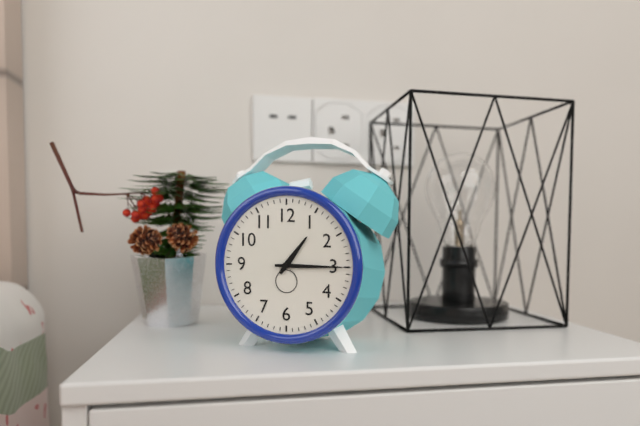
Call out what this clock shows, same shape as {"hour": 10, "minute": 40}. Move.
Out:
{"hour": 1, "minute": 15}
